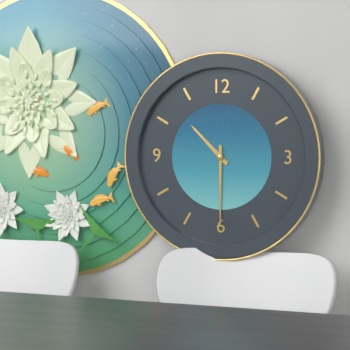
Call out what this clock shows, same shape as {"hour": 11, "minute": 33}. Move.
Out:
{"hour": 10, "minute": 30}
